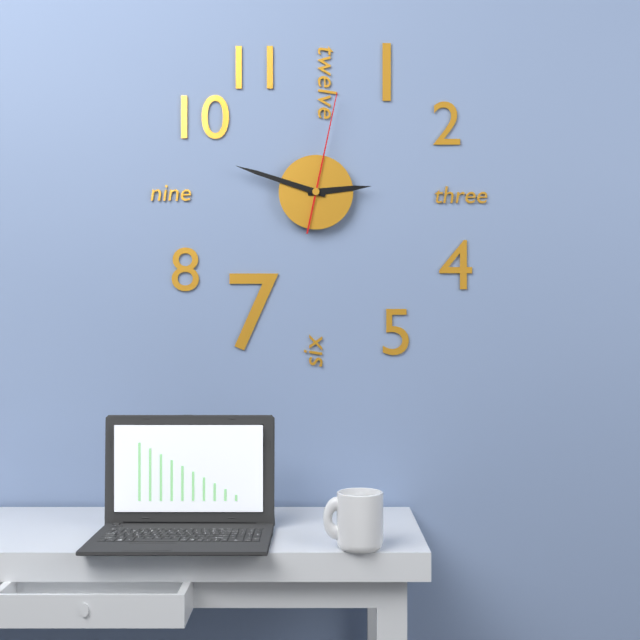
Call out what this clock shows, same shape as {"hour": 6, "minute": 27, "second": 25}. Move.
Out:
{"hour": 2, "minute": 48, "second": 2}
